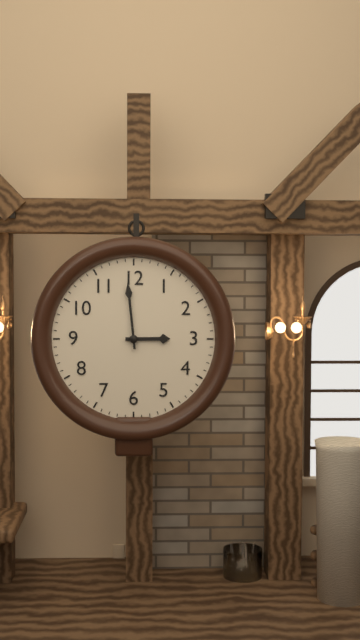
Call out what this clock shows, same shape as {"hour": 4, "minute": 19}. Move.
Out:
{"hour": 2, "minute": 59}
